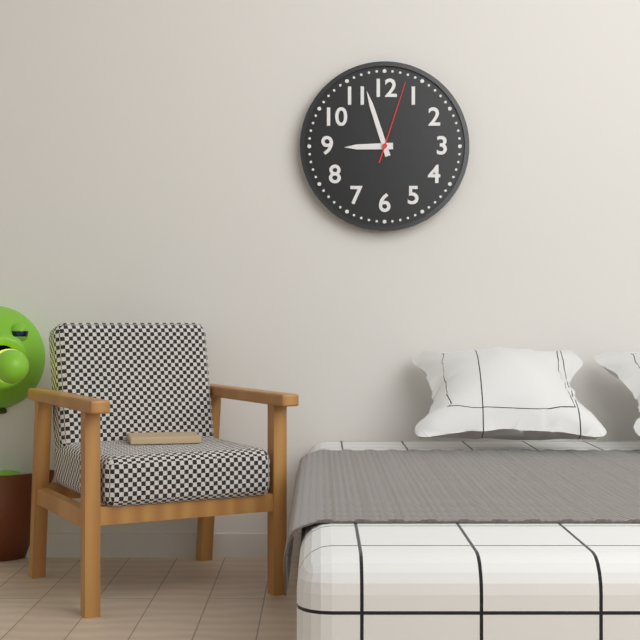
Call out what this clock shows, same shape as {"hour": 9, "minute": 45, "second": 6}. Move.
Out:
{"hour": 8, "minute": 57, "second": 3}
